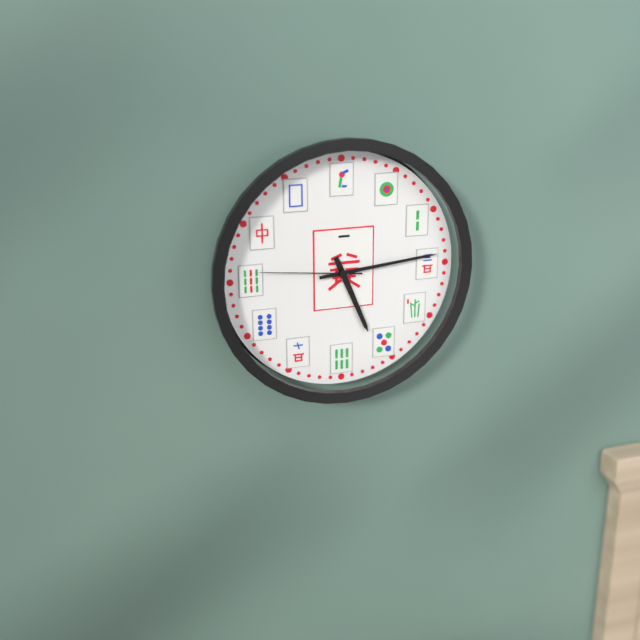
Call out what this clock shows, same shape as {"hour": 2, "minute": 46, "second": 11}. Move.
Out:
{"hour": 5, "minute": 14, "second": 46}
